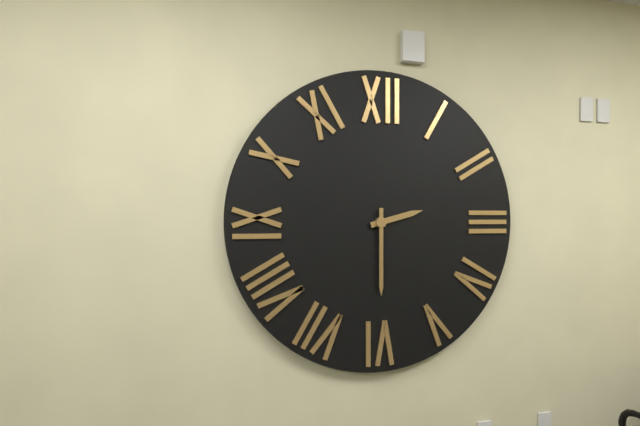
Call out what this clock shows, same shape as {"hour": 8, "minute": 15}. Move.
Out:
{"hour": 2, "minute": 30}
